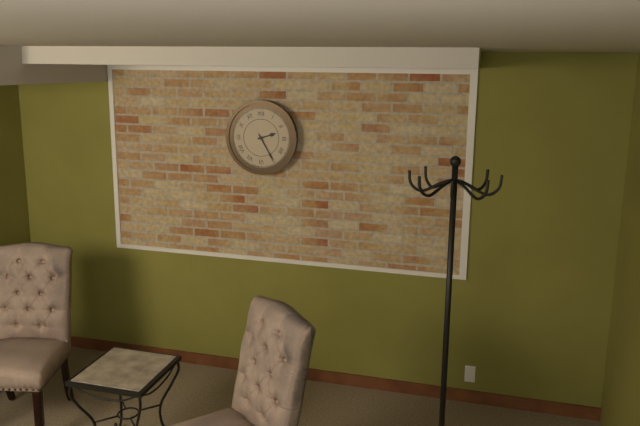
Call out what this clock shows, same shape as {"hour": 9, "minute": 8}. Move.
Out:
{"hour": 2, "minute": 25}
